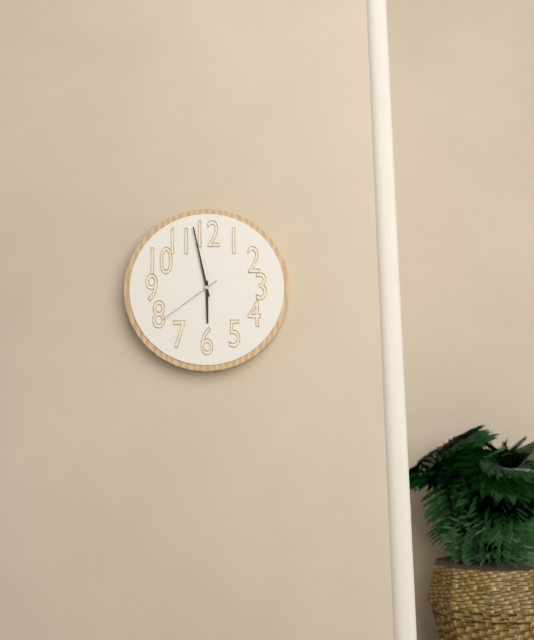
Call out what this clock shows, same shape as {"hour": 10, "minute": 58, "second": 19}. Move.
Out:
{"hour": 5, "minute": 58, "second": 39}
